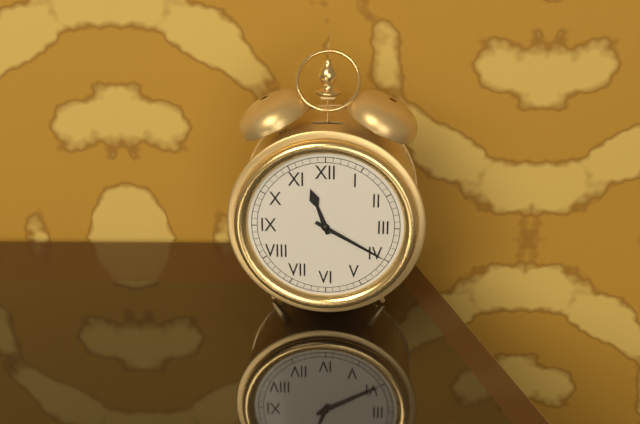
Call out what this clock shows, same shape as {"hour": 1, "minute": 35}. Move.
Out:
{"hour": 11, "minute": 20}
